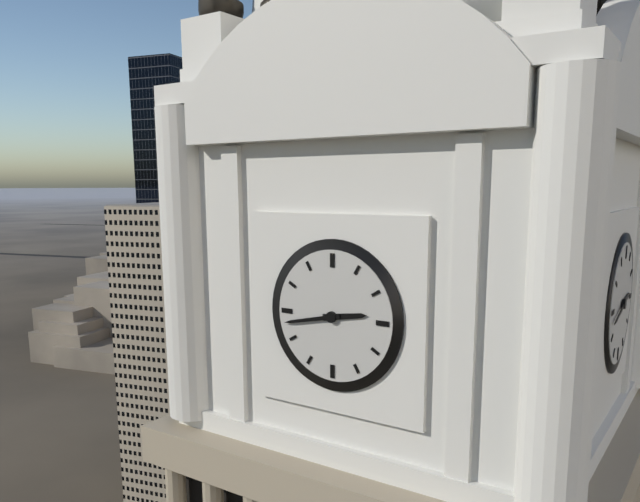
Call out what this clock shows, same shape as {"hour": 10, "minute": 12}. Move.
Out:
{"hour": 2, "minute": 43}
